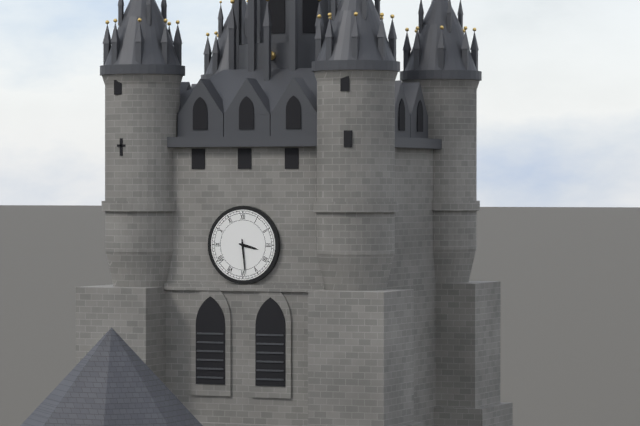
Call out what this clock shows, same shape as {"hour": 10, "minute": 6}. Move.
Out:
{"hour": 3, "minute": 29}
